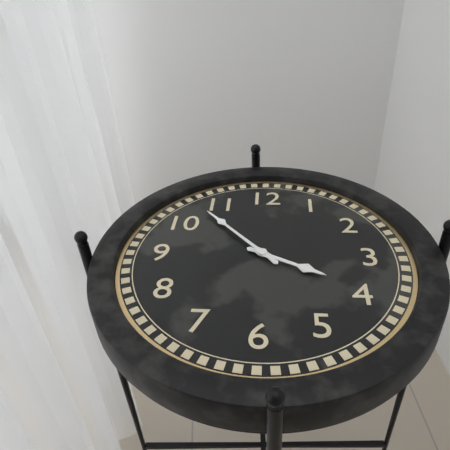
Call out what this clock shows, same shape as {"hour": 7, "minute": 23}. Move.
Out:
{"hour": 3, "minute": 53}
